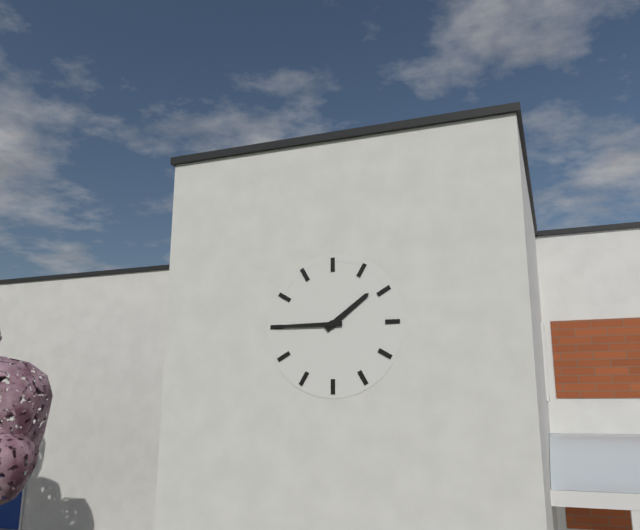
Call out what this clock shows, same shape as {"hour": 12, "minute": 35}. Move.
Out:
{"hour": 1, "minute": 45}
